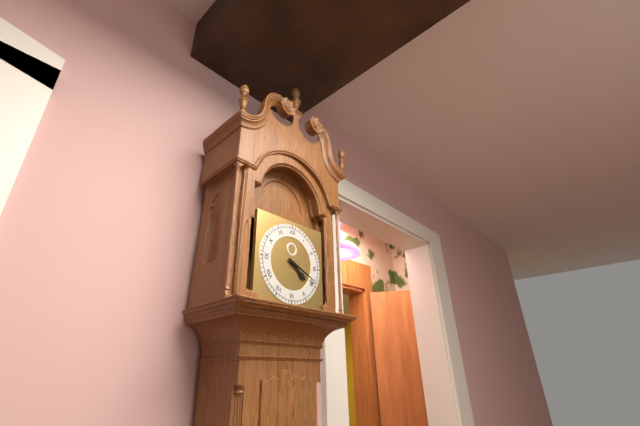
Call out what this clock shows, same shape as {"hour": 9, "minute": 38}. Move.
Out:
{"hour": 4, "minute": 19}
